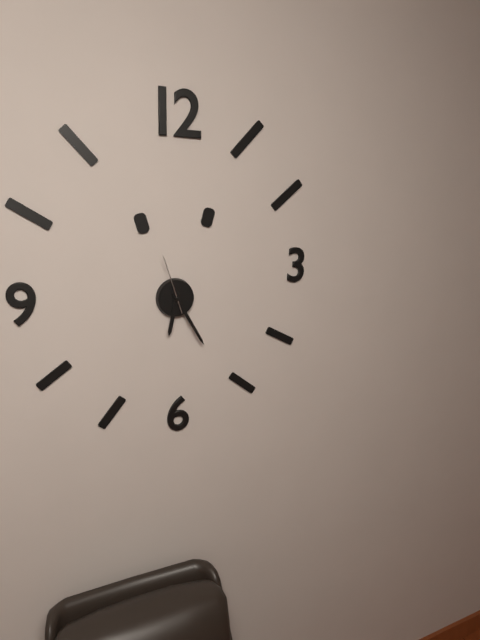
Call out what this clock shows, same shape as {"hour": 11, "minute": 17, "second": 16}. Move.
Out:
{"hour": 6, "minute": 25, "second": 57}
